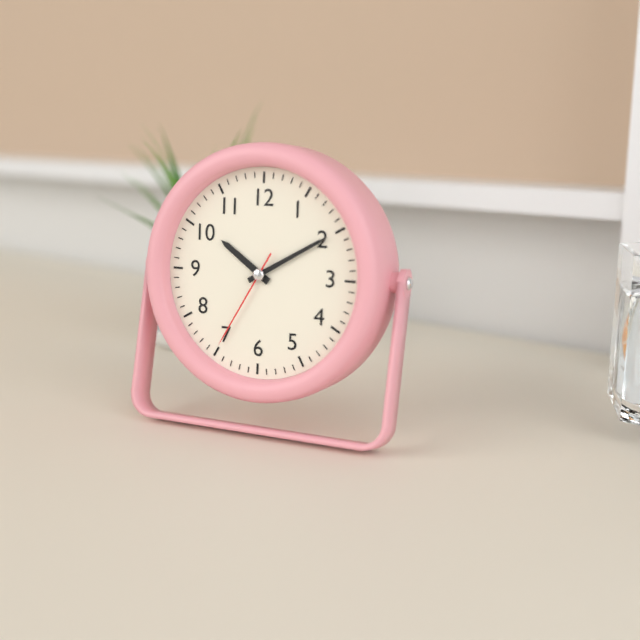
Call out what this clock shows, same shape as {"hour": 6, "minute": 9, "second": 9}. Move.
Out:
{"hour": 10, "minute": 10, "second": 35}
